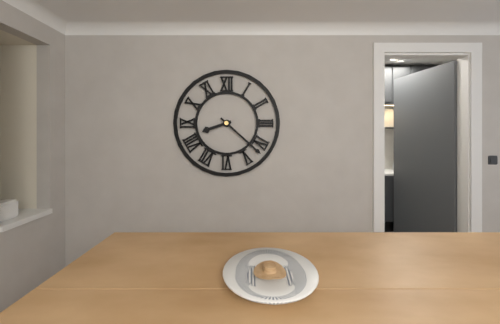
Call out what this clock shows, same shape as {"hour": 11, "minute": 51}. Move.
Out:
{"hour": 8, "minute": 22}
